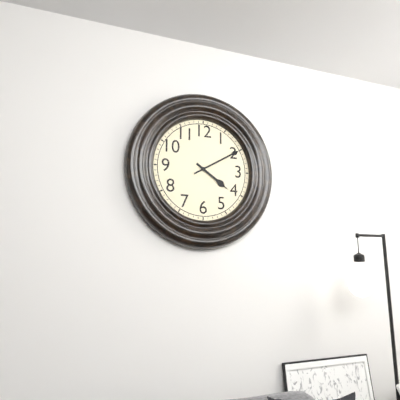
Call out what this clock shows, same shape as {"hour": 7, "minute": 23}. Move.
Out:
{"hour": 4, "minute": 10}
